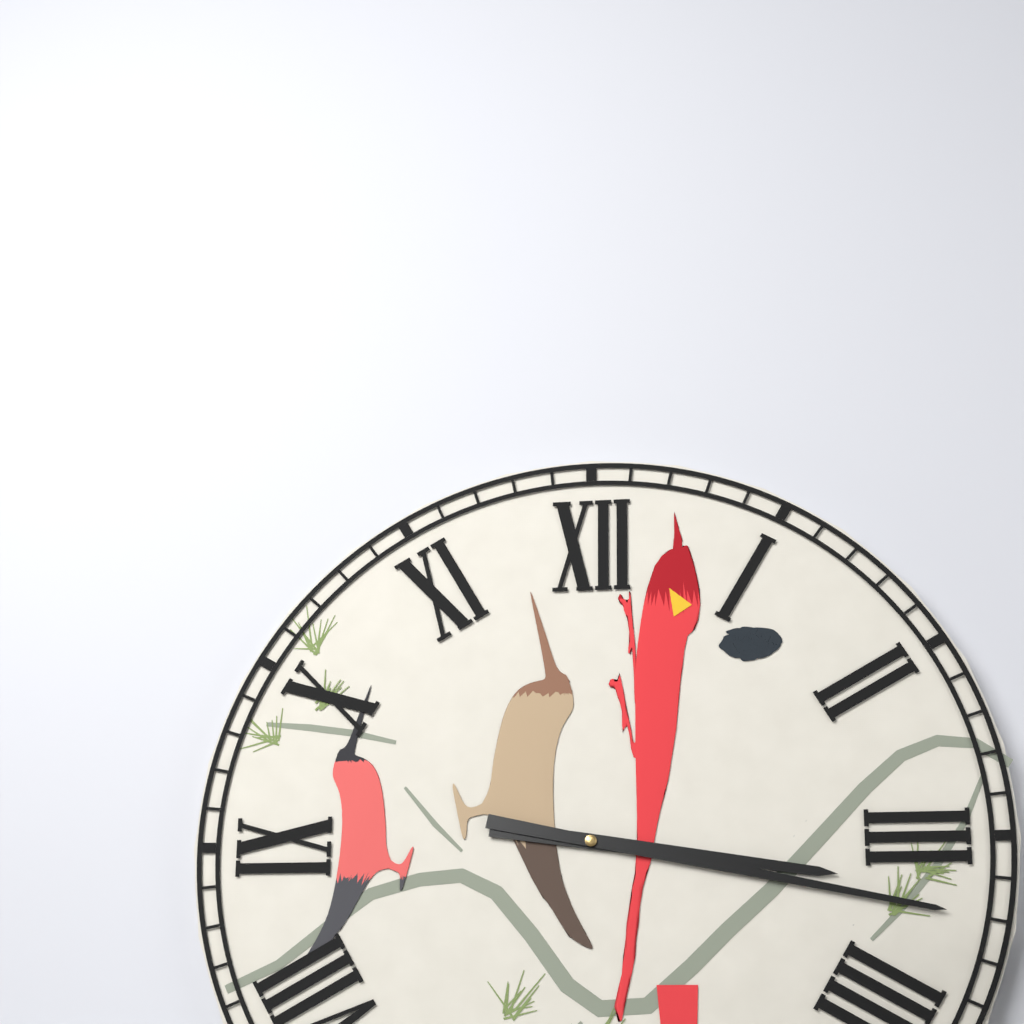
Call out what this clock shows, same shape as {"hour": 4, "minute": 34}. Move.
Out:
{"hour": 3, "minute": 17}
